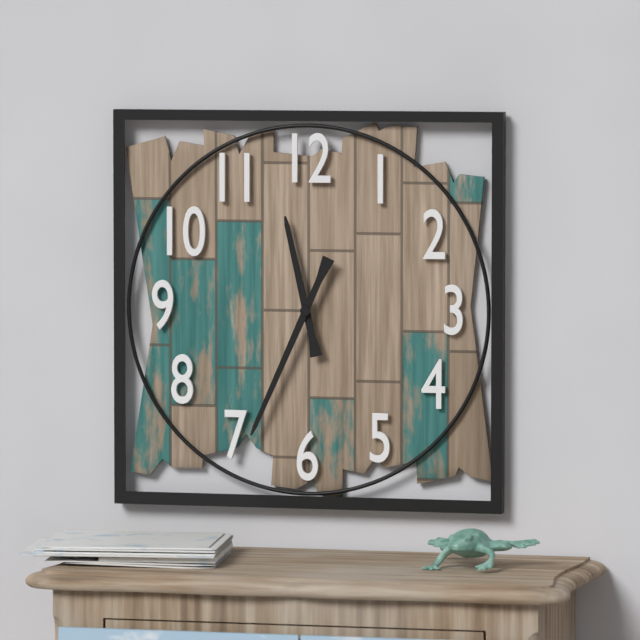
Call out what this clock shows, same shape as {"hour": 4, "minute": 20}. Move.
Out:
{"hour": 11, "minute": 34}
